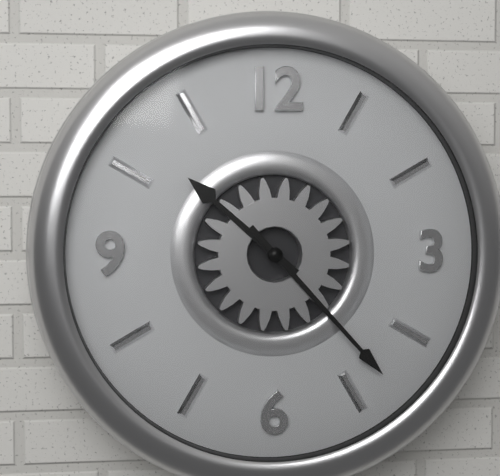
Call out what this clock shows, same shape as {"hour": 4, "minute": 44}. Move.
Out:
{"hour": 10, "minute": 23}
